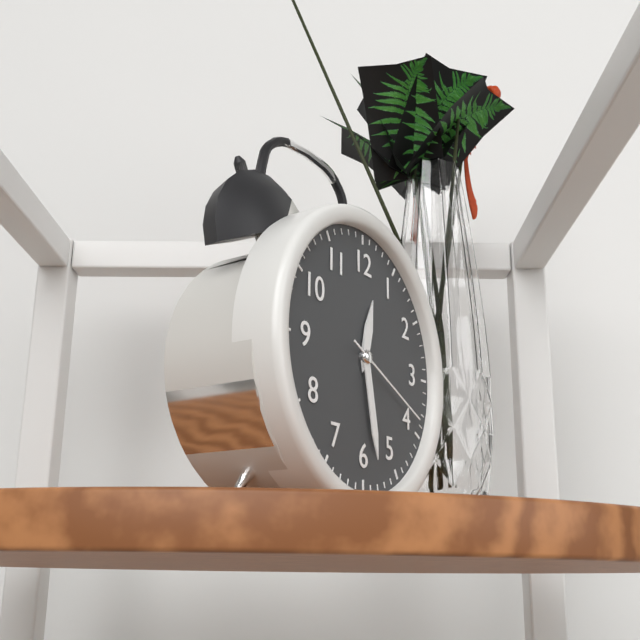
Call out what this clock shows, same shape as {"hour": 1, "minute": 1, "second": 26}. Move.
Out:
{"hour": 12, "minute": 28, "second": 19}
